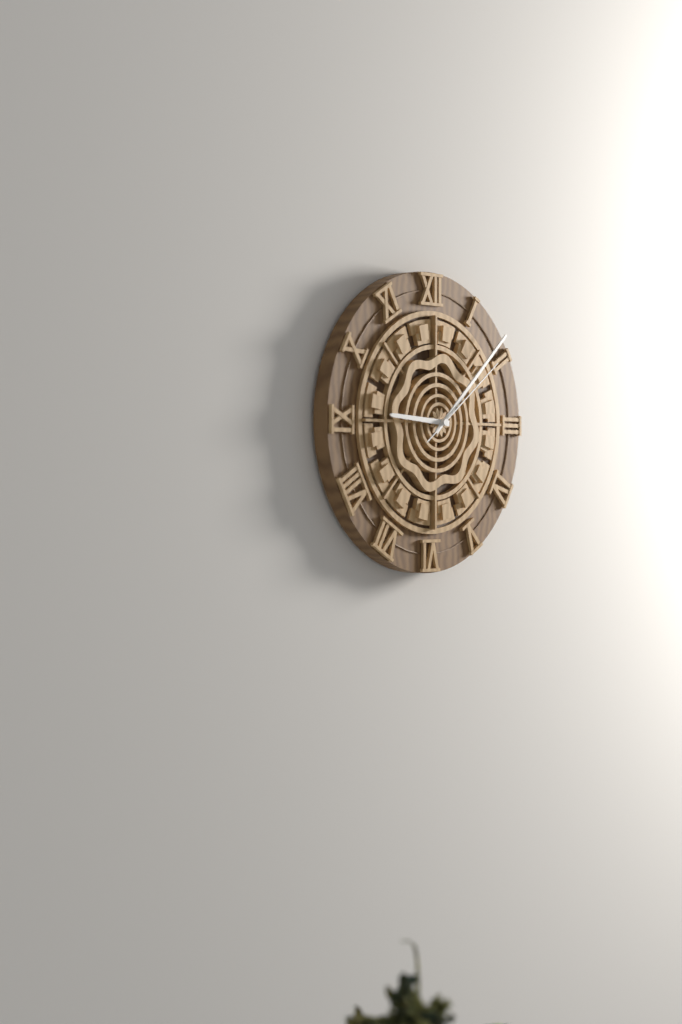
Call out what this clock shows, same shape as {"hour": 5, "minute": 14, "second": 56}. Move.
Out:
{"hour": 9, "minute": 8, "second": 9}
